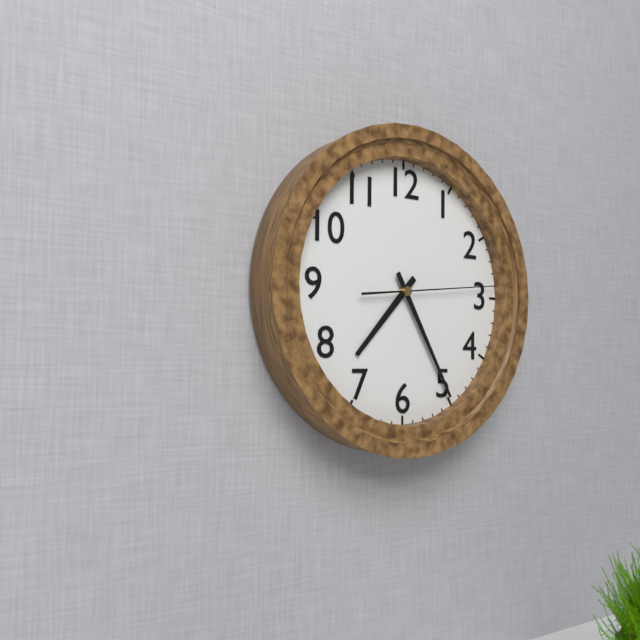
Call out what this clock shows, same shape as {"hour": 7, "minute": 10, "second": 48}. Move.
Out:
{"hour": 7, "minute": 25, "second": 14}
